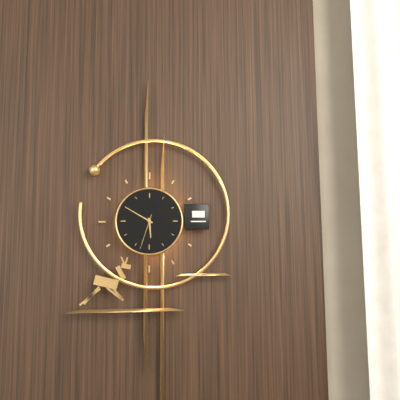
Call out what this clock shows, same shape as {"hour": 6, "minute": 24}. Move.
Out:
{"hour": 5, "minute": 50}
